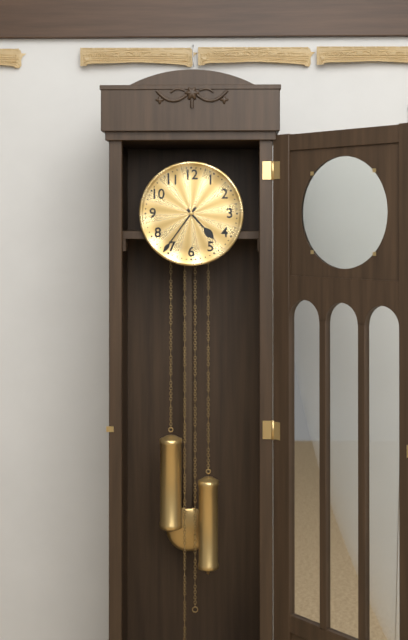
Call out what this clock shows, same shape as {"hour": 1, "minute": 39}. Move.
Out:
{"hour": 4, "minute": 36}
